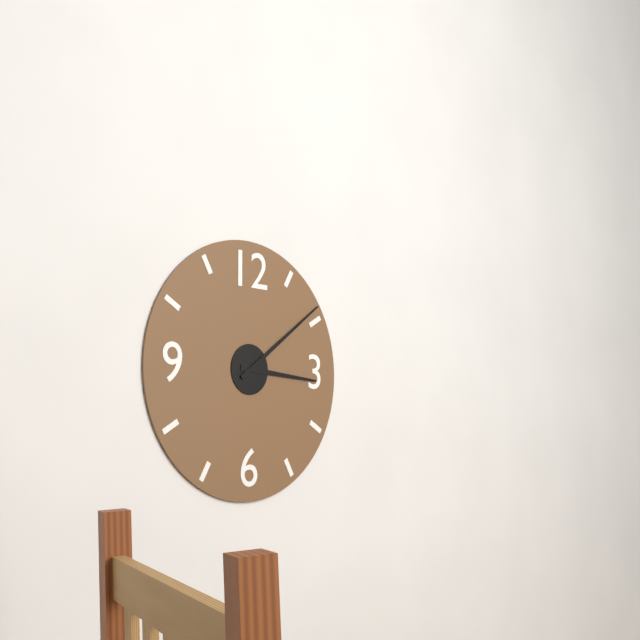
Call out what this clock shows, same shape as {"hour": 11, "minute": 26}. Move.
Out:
{"hour": 3, "minute": 9}
